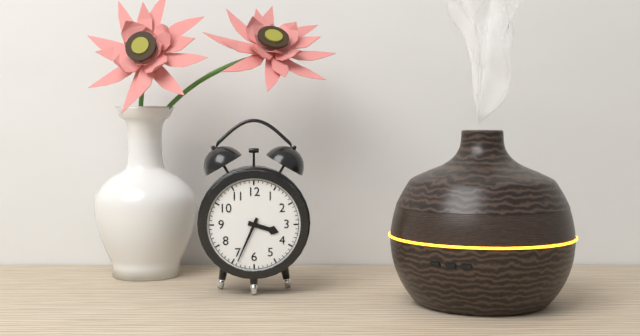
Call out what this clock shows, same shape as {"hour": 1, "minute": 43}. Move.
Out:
{"hour": 3, "minute": 34}
